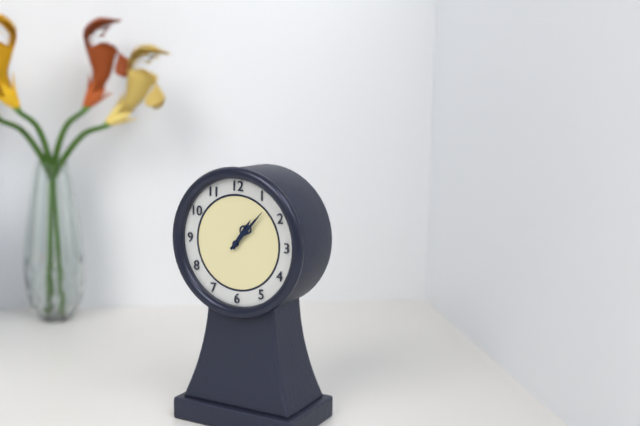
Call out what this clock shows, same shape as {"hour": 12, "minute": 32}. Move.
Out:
{"hour": 1, "minute": 7}
